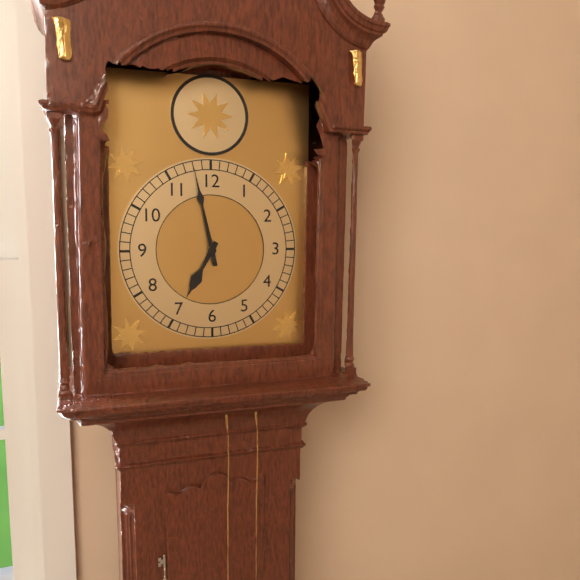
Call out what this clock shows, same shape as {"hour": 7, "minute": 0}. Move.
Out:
{"hour": 6, "minute": 58}
